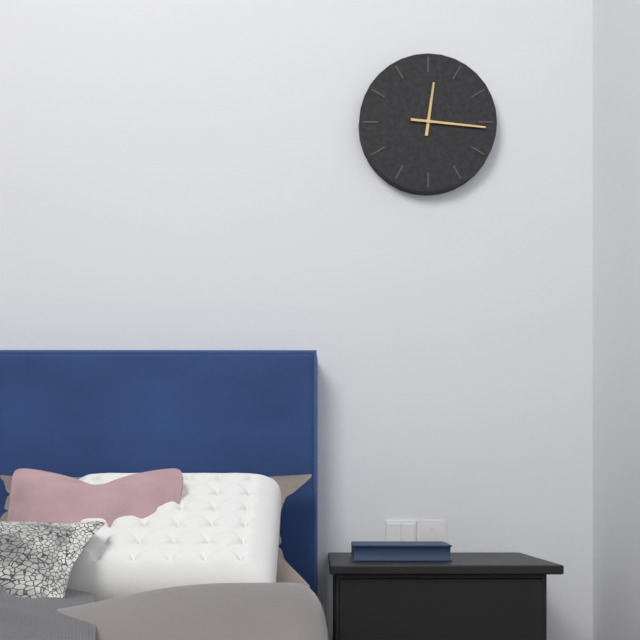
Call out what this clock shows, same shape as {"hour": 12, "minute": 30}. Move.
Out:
{"hour": 12, "minute": 16}
